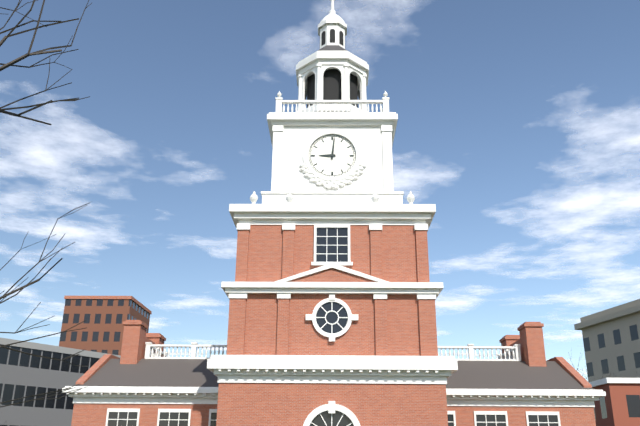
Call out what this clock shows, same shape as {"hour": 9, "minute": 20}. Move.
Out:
{"hour": 9, "minute": 1}
